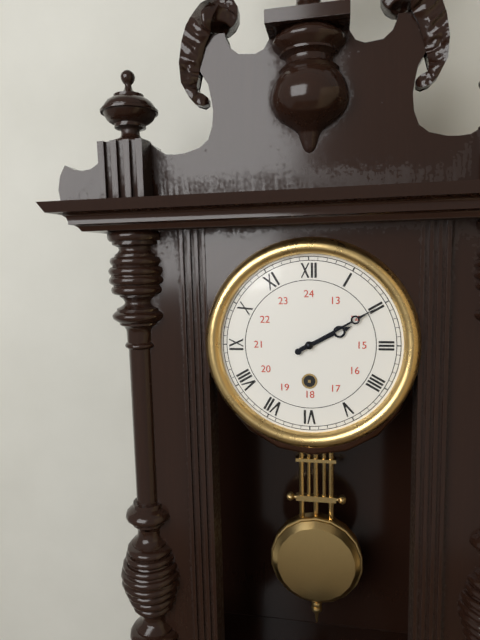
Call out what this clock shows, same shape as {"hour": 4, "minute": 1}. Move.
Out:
{"hour": 2, "minute": 10}
